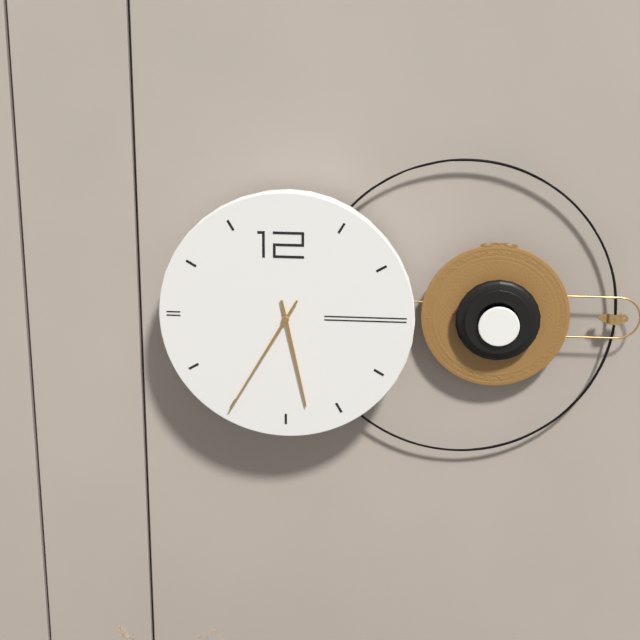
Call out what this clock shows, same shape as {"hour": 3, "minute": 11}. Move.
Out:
{"hour": 5, "minute": 35}
